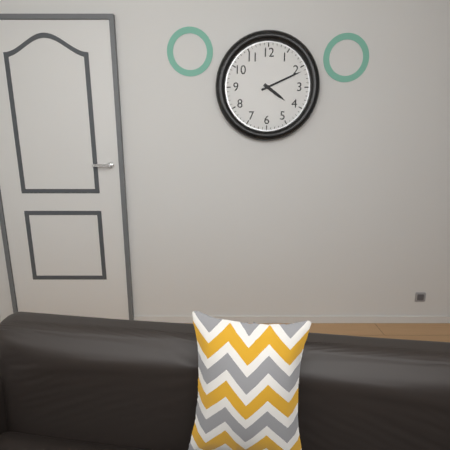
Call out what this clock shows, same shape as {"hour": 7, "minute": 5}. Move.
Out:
{"hour": 4, "minute": 11}
